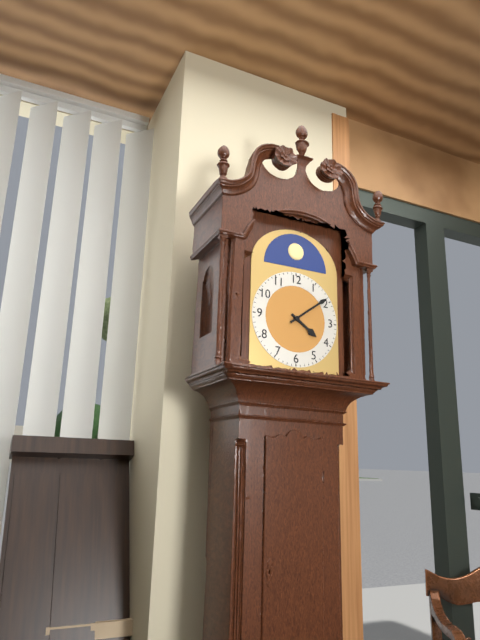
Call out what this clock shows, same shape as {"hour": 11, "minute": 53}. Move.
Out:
{"hour": 4, "minute": 9}
